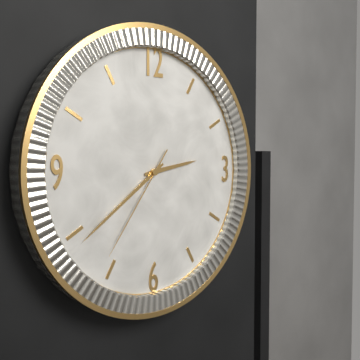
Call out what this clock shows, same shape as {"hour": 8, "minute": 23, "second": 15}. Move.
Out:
{"hour": 2, "minute": 39, "second": 36}
